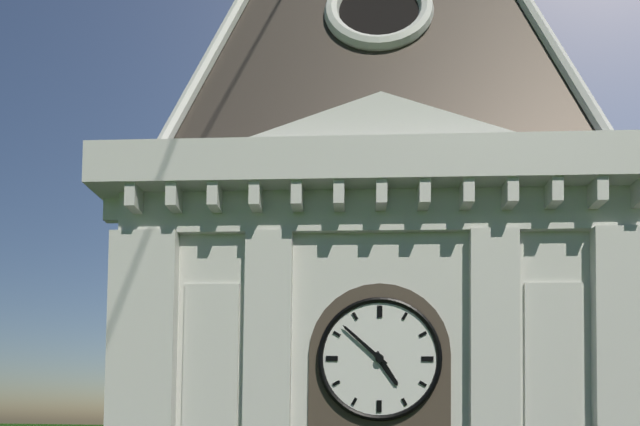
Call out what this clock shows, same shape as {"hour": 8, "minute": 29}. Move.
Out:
{"hour": 4, "minute": 52}
